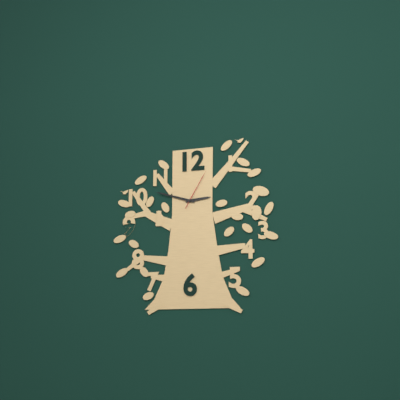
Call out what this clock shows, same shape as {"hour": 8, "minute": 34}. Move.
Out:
{"hour": 2, "minute": 48}
